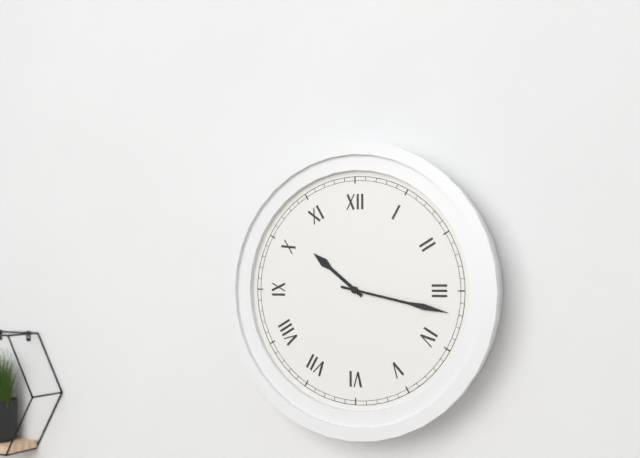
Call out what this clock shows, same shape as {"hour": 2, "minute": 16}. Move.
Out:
{"hour": 10, "minute": 17}
